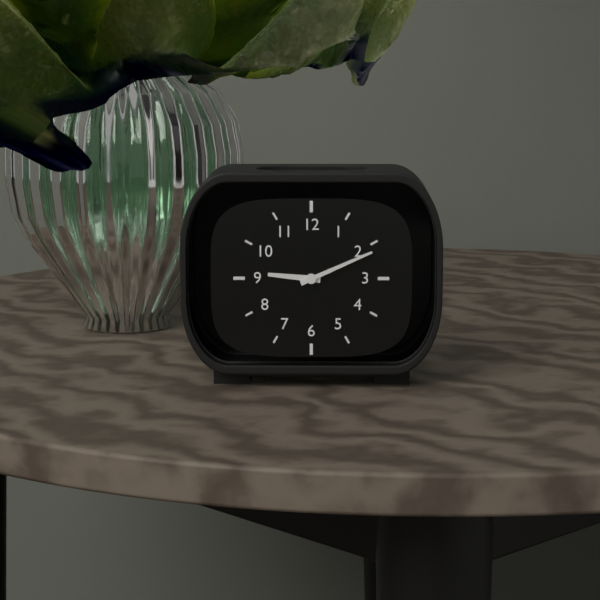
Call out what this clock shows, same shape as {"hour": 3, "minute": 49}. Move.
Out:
{"hour": 9, "minute": 11}
